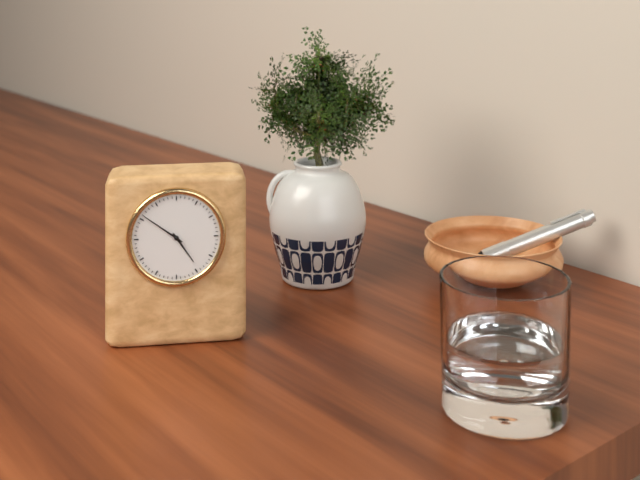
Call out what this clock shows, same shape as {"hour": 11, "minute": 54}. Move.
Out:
{"hour": 4, "minute": 51}
